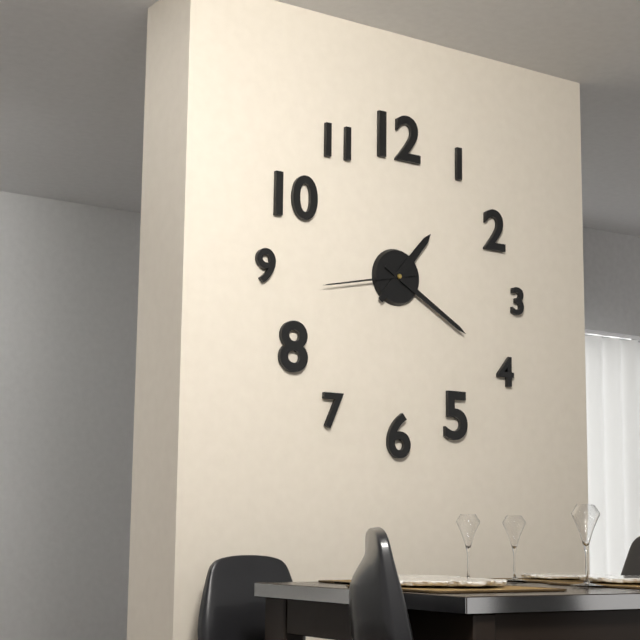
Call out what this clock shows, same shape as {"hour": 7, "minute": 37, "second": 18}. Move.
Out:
{"hour": 1, "minute": 20, "second": 43}
